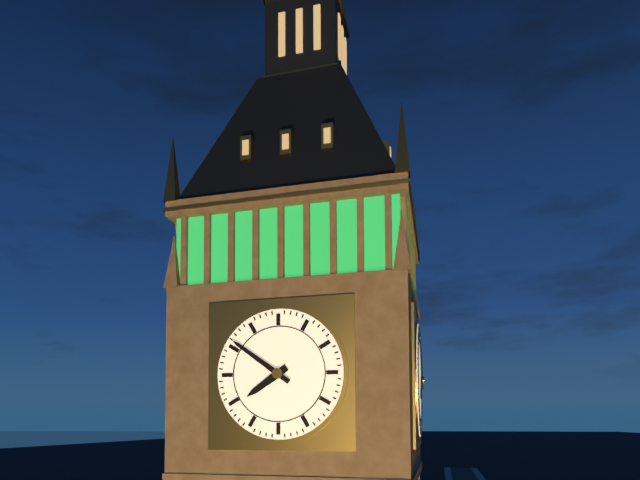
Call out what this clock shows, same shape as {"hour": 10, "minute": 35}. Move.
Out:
{"hour": 7, "minute": 51}
